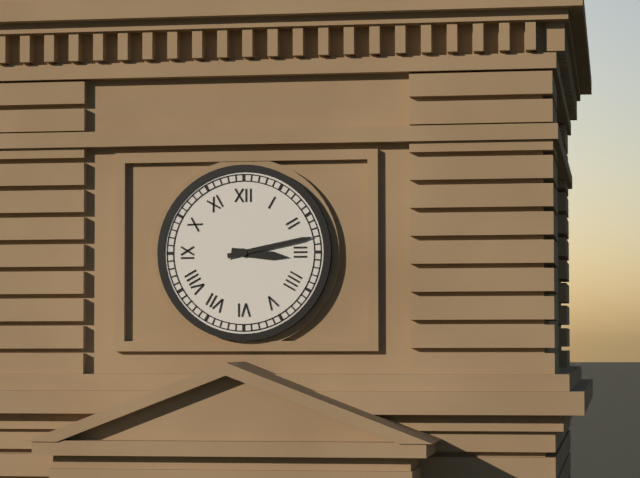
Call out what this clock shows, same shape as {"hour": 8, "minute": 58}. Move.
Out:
{"hour": 3, "minute": 13}
